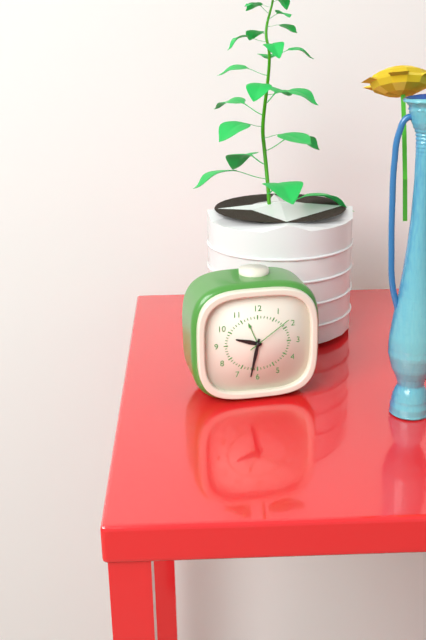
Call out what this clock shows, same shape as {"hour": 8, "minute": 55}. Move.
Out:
{"hour": 9, "minute": 32}
